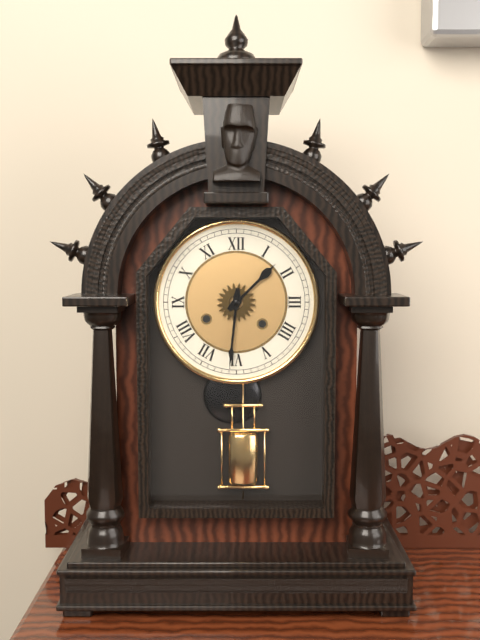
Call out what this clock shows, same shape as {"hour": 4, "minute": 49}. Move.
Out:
{"hour": 1, "minute": 31}
